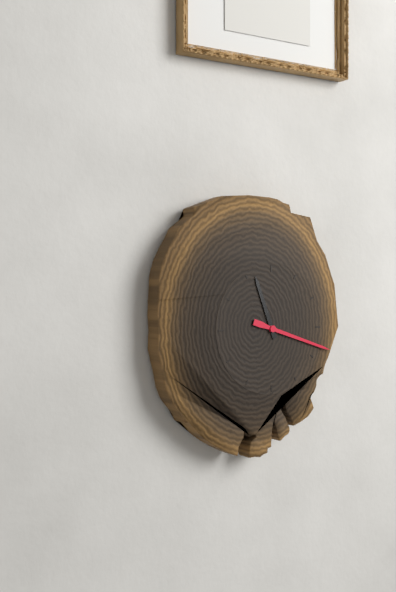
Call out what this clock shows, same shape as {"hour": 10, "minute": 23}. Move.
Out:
{"hour": 11, "minute": 18}
